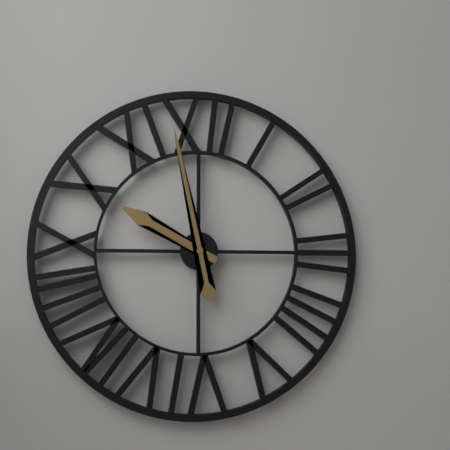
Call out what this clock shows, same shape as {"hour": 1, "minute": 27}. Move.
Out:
{"hour": 9, "minute": 58}
